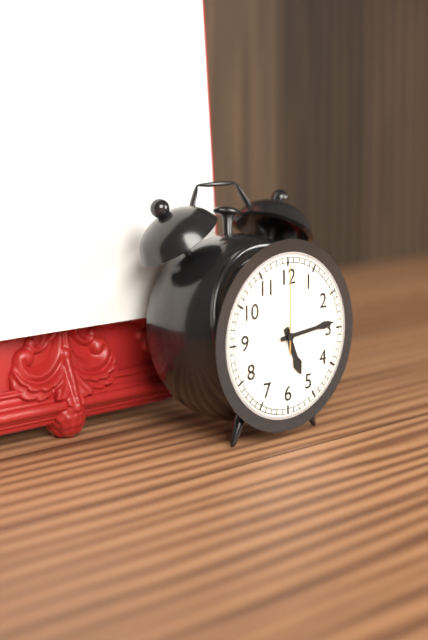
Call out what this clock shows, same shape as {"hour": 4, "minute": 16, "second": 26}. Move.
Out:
{"hour": 5, "minute": 14, "second": 0}
